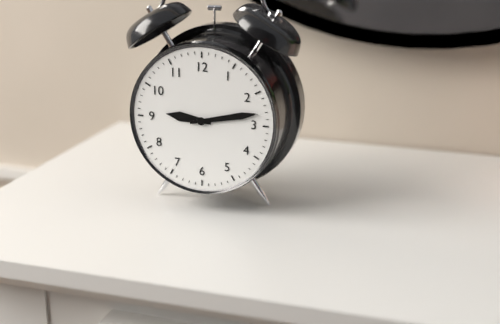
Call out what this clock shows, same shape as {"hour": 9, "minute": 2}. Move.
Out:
{"hour": 9, "minute": 13}
